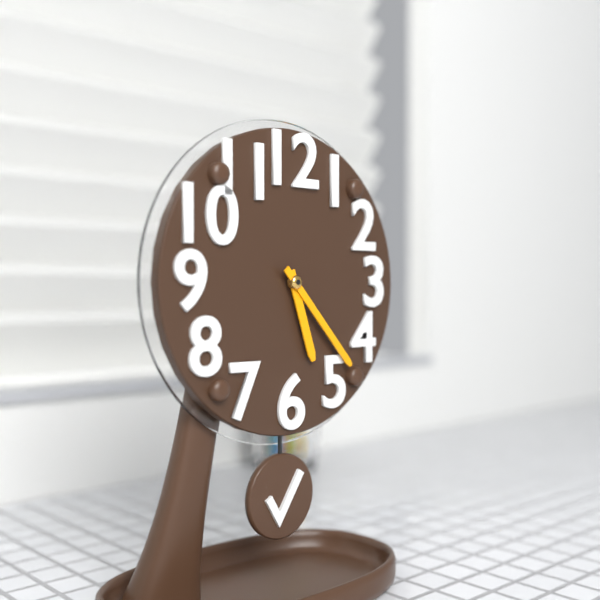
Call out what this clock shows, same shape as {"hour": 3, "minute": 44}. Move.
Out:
{"hour": 5, "minute": 23}
